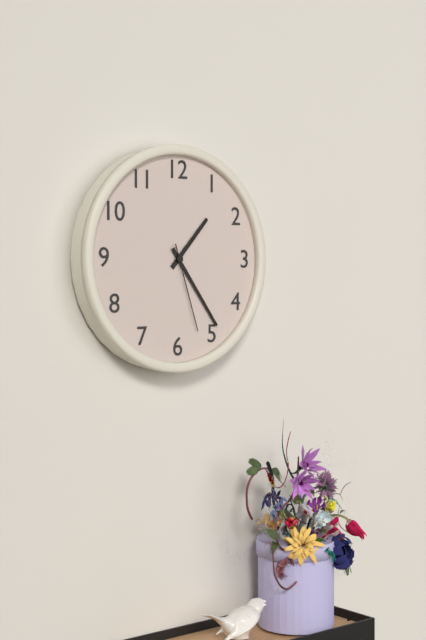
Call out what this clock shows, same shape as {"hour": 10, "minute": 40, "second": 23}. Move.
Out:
{"hour": 1, "minute": 24, "second": 27}
